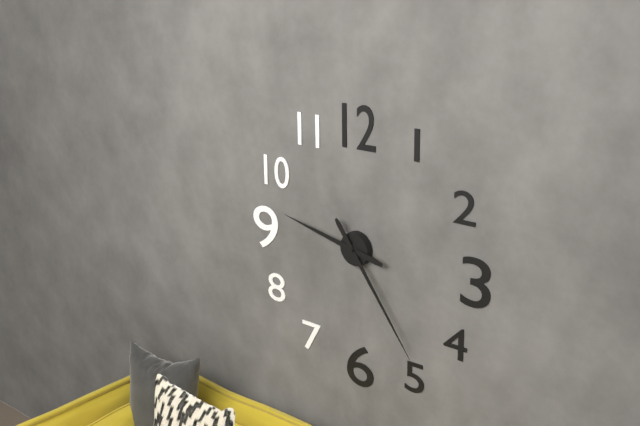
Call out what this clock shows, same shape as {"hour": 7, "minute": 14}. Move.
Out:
{"hour": 9, "minute": 24}
